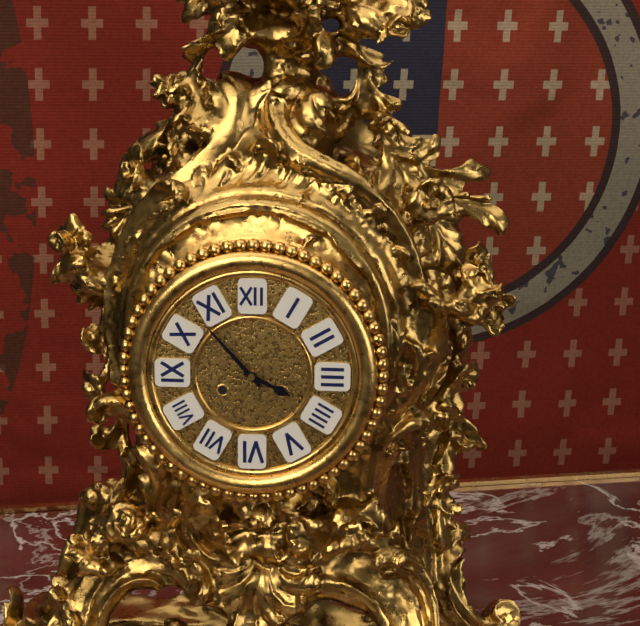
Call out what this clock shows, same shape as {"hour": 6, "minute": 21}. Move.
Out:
{"hour": 3, "minute": 53}
